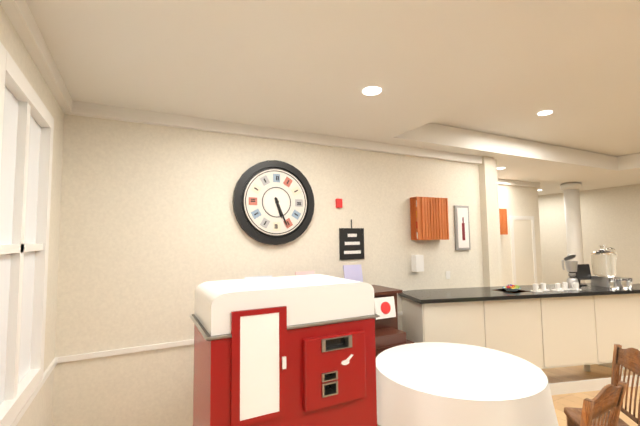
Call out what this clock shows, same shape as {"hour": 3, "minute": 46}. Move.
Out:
{"hour": 5, "minute": 26}
